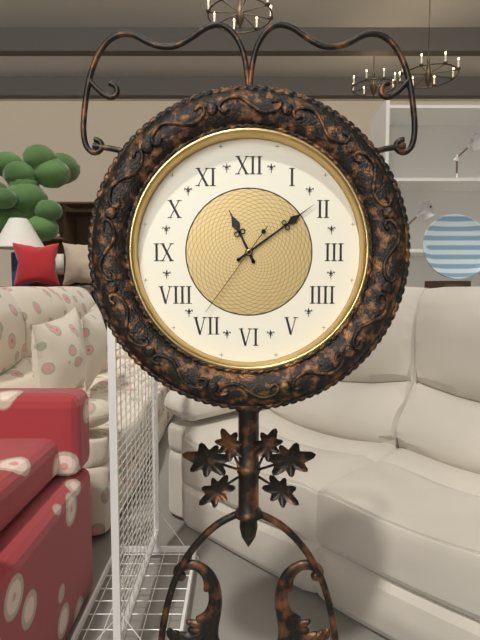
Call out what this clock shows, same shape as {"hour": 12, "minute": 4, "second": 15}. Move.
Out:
{"hour": 11, "minute": 9, "second": 36}
